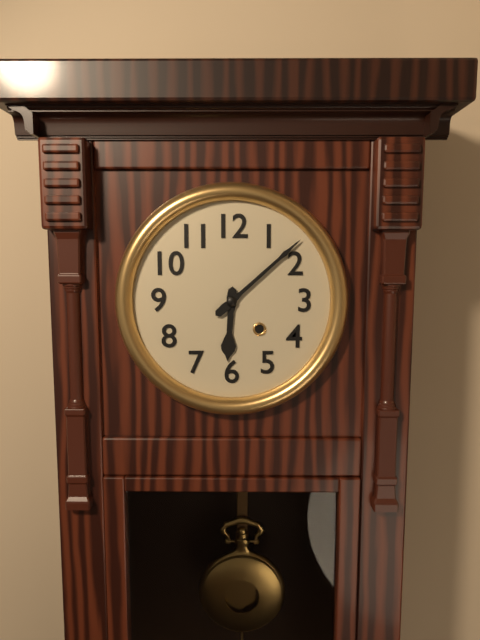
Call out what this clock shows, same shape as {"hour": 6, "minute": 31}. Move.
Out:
{"hour": 6, "minute": 8}
